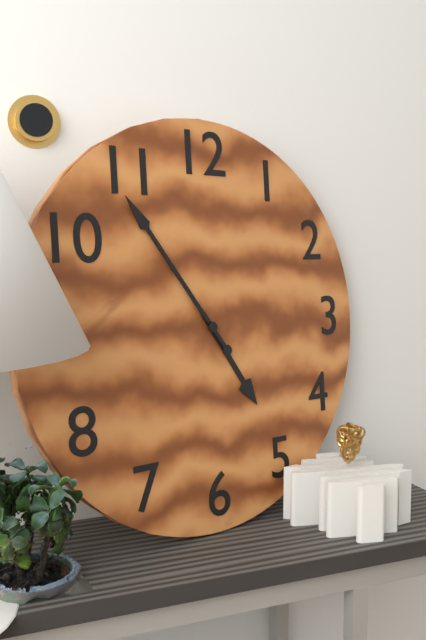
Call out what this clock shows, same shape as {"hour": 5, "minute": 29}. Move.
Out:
{"hour": 4, "minute": 54}
